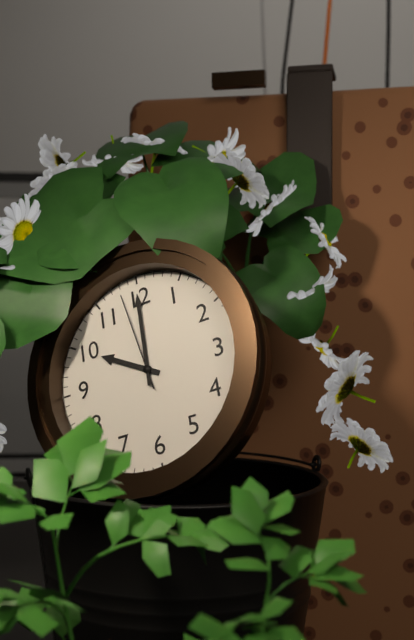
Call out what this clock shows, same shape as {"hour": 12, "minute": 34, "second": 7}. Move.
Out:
{"hour": 10, "minute": 0, "second": 58}
